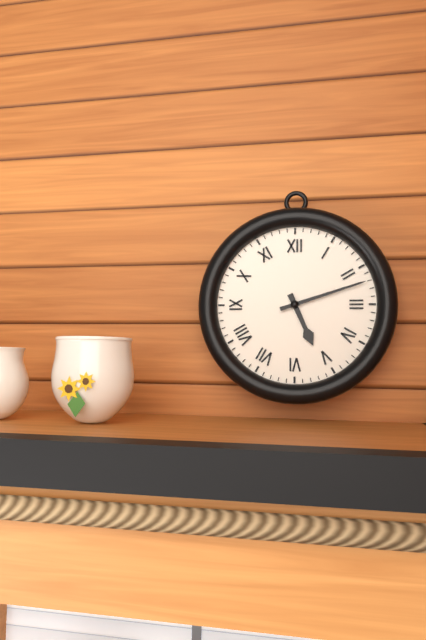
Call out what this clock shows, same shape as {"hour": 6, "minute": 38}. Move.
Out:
{"hour": 5, "minute": 12}
